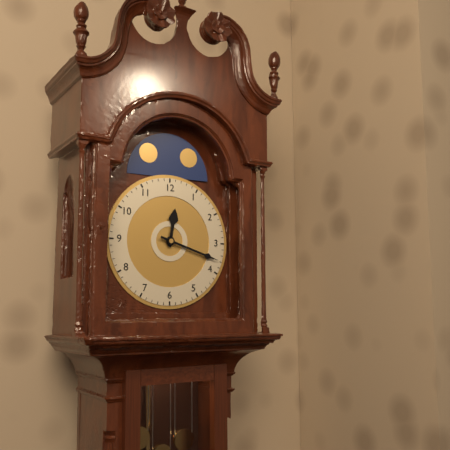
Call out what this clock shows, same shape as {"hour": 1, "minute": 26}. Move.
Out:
{"hour": 12, "minute": 18}
